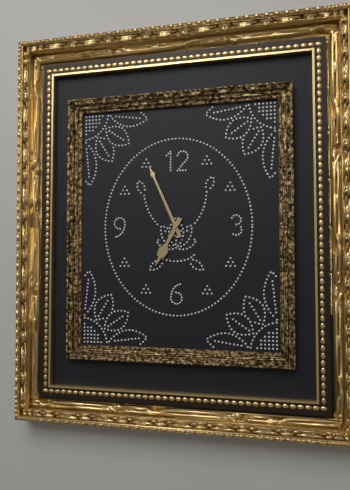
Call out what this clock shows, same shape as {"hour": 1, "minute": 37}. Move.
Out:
{"hour": 6, "minute": 56}
